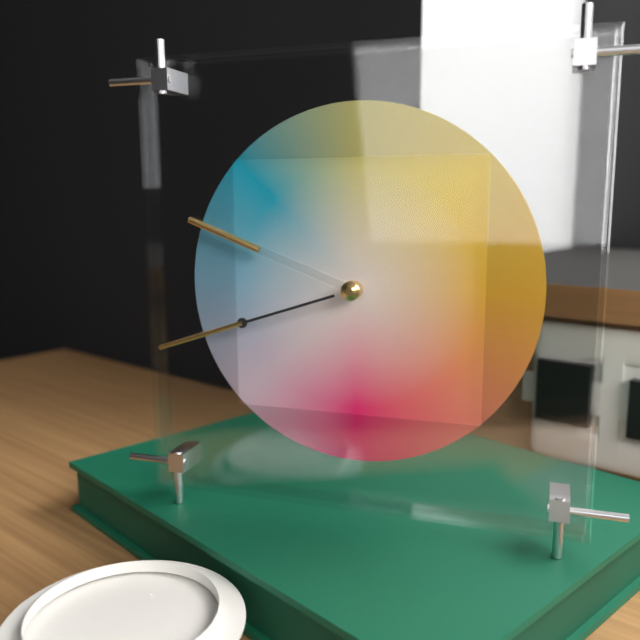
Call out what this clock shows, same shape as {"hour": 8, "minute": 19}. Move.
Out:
{"hour": 9, "minute": 42}
